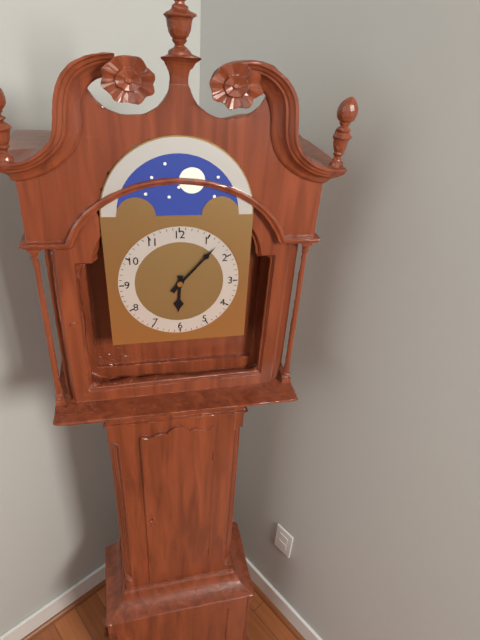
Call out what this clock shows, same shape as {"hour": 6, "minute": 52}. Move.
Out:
{"hour": 6, "minute": 7}
